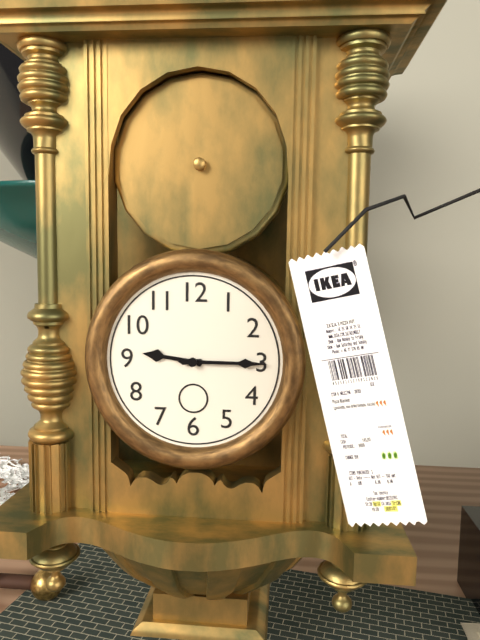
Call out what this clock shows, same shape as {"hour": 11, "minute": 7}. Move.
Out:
{"hour": 9, "minute": 15}
